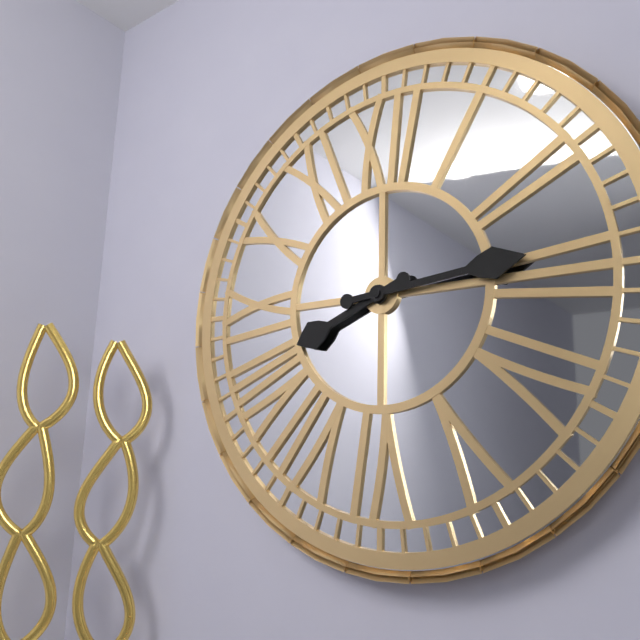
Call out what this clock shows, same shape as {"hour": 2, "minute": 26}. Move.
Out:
{"hour": 8, "minute": 14}
